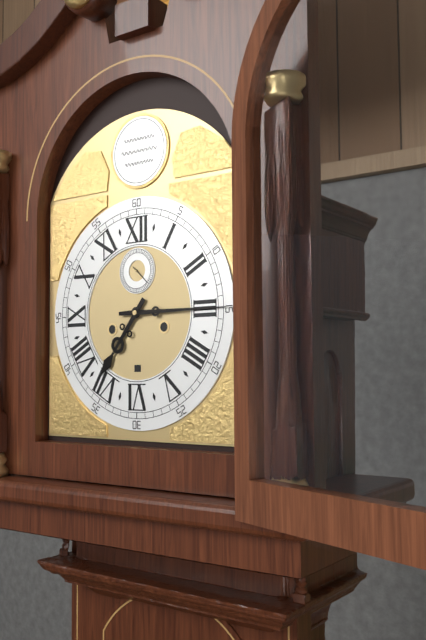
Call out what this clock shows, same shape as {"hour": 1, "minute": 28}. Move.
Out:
{"hour": 7, "minute": 15}
